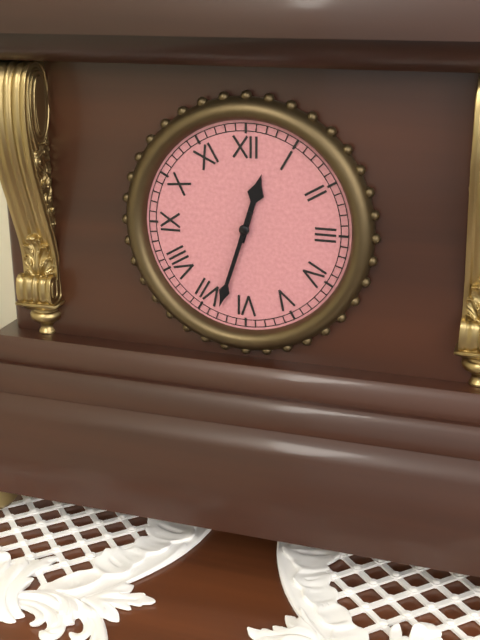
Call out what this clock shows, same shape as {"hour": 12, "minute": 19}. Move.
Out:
{"hour": 12, "minute": 33}
